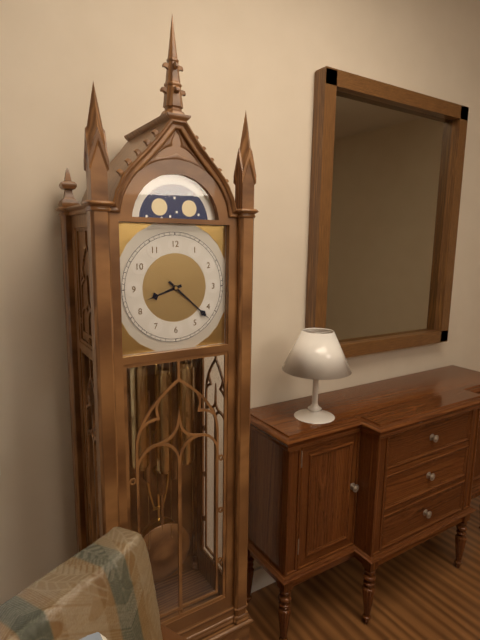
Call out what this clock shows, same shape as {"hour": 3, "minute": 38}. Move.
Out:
{"hour": 8, "minute": 22}
